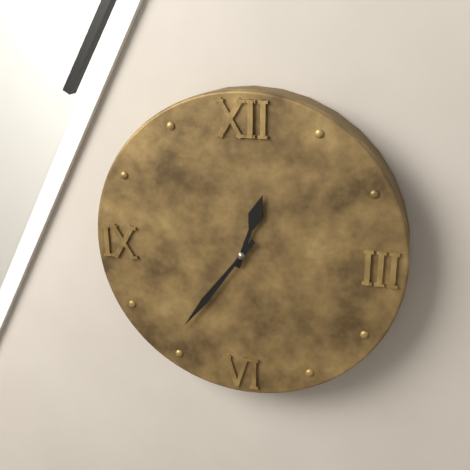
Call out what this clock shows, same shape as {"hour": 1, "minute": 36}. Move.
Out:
{"hour": 12, "minute": 36}
